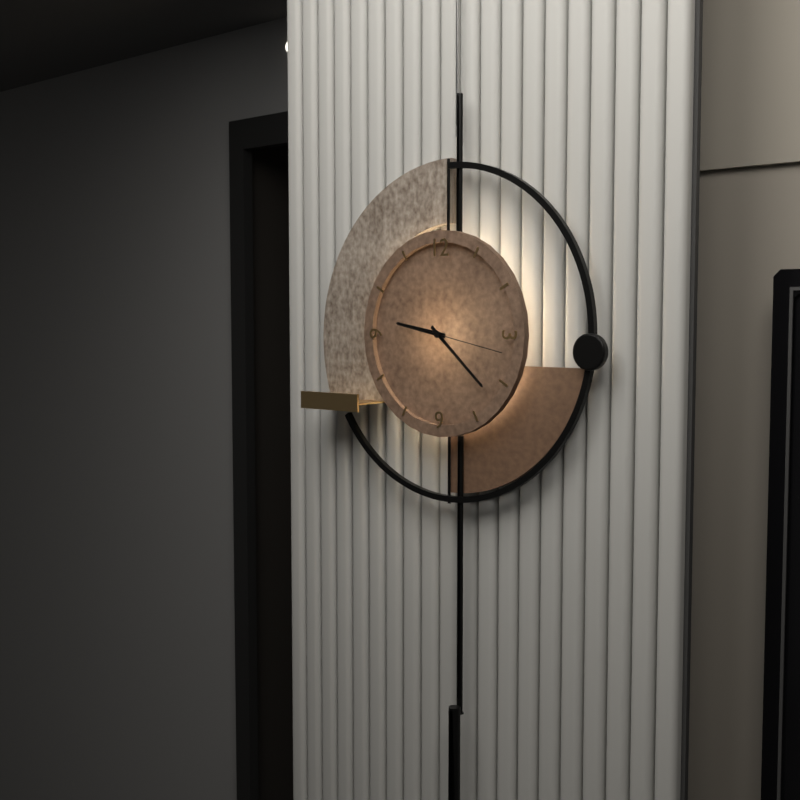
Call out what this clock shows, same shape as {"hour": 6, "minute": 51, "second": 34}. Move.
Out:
{"hour": 9, "minute": 22, "second": 17}
